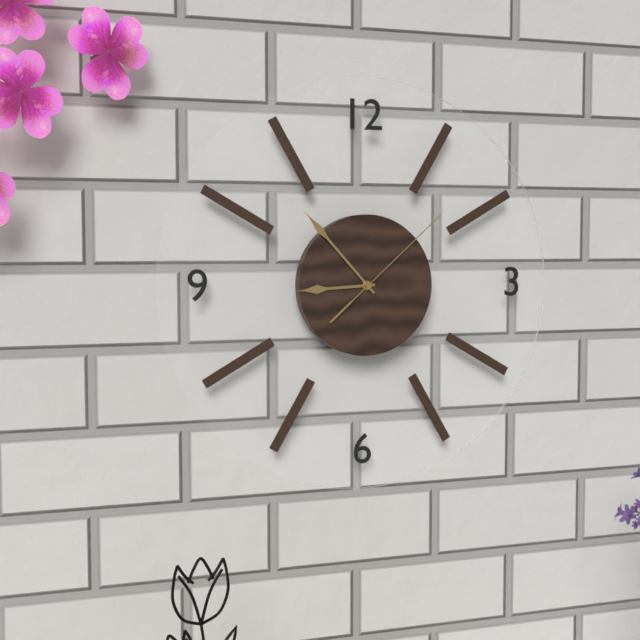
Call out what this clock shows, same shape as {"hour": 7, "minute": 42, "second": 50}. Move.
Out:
{"hour": 8, "minute": 53, "second": 8}
